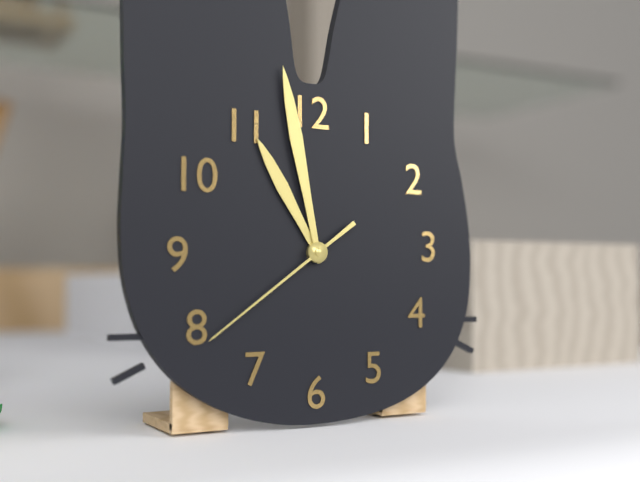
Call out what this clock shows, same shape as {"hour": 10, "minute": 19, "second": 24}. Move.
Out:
{"hour": 10, "minute": 58, "second": 39}
